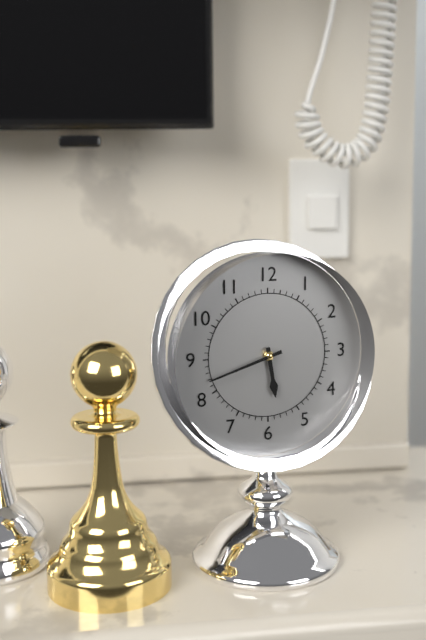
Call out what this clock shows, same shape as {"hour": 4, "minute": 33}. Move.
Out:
{"hour": 5, "minute": 42}
